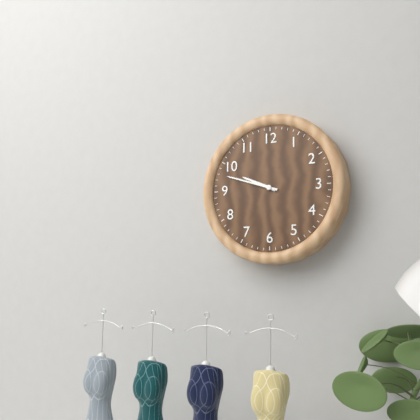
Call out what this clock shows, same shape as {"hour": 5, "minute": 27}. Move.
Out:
{"hour": 9, "minute": 48}
